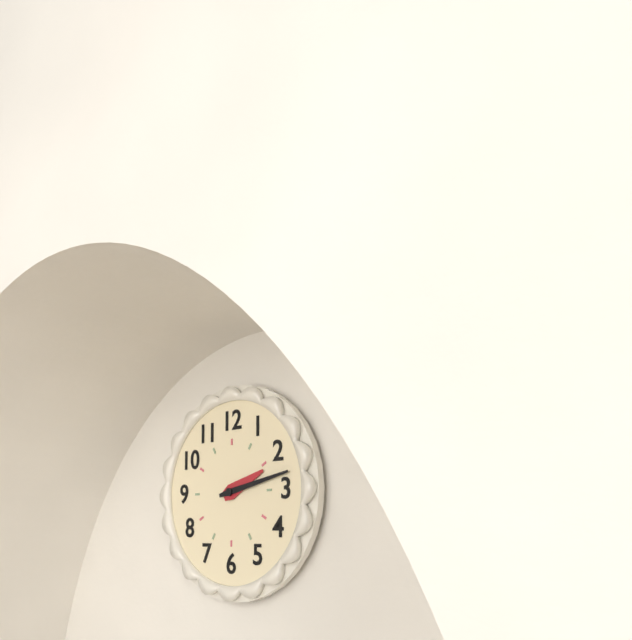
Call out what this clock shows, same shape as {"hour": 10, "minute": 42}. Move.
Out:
{"hour": 2, "minute": 13}
